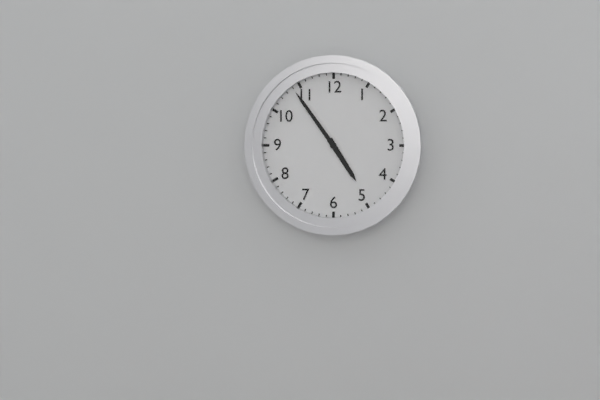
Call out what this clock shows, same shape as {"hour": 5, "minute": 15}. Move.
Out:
{"hour": 4, "minute": 54}
